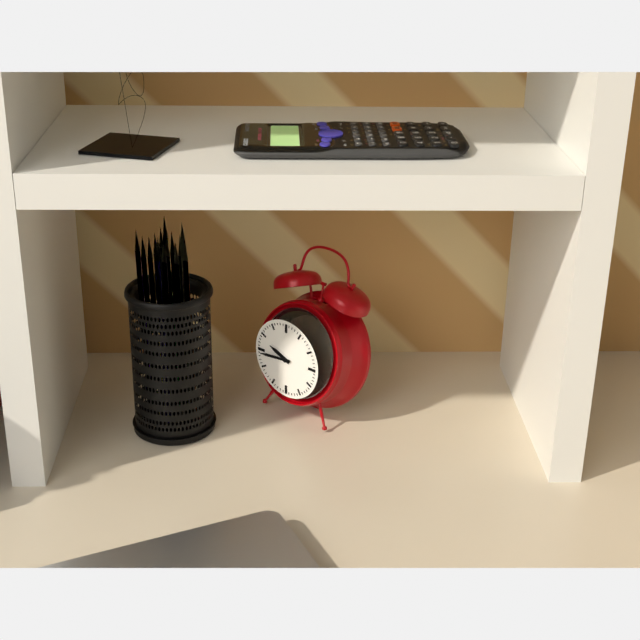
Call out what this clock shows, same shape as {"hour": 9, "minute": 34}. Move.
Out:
{"hour": 9, "minute": 44}
